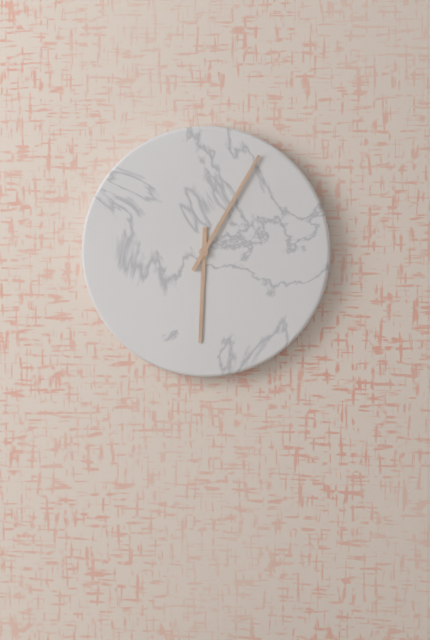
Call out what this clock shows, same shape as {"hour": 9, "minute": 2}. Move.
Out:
{"hour": 6, "minute": 5}
